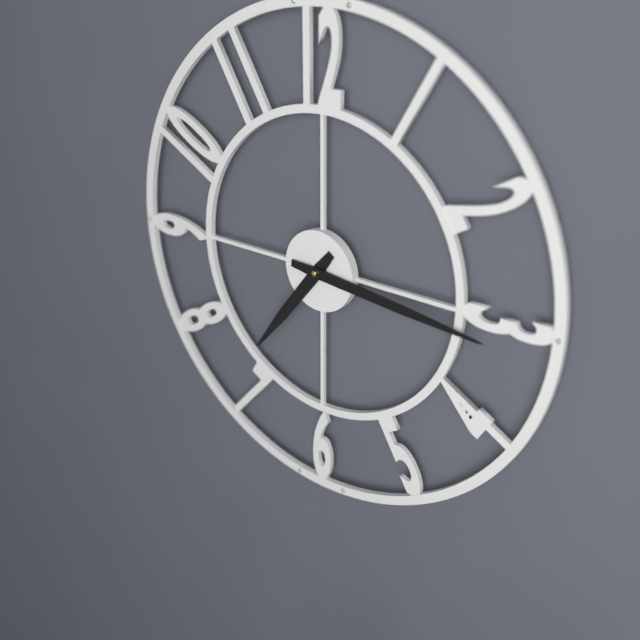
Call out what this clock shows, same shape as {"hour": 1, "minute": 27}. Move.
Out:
{"hour": 7, "minute": 16}
